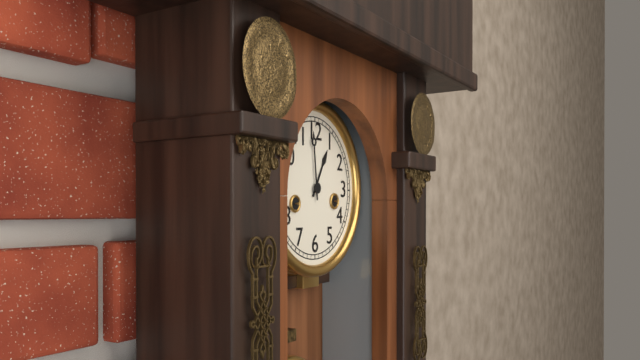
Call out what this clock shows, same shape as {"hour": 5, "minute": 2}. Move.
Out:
{"hour": 12, "minute": 59}
